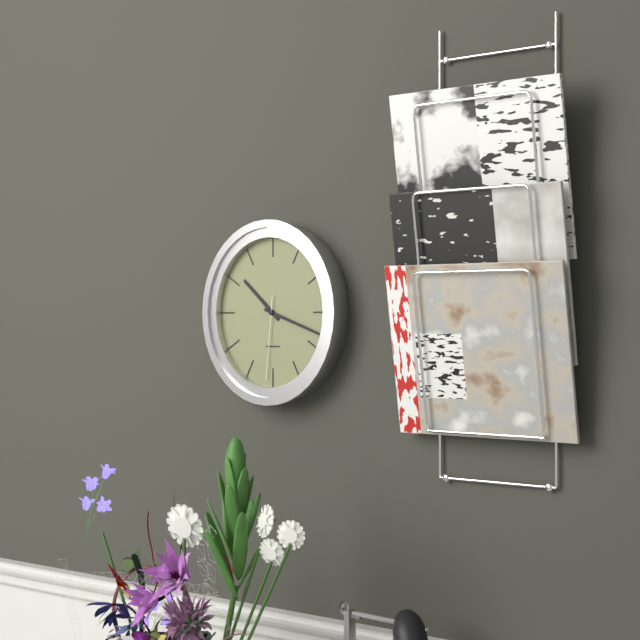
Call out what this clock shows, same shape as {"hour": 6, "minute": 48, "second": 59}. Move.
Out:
{"hour": 10, "minute": 18, "second": 31}
